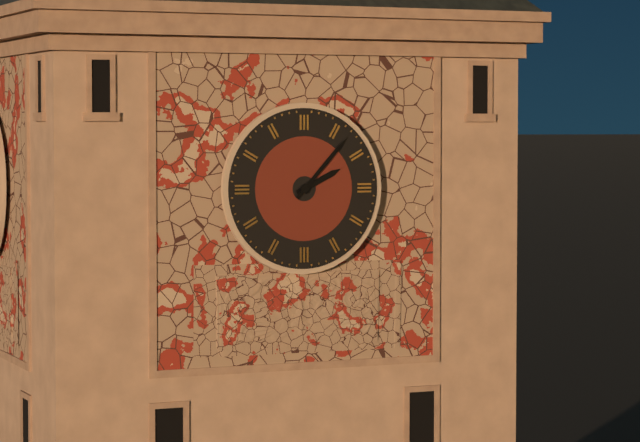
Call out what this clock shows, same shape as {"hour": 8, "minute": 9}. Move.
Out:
{"hour": 2, "minute": 7}
